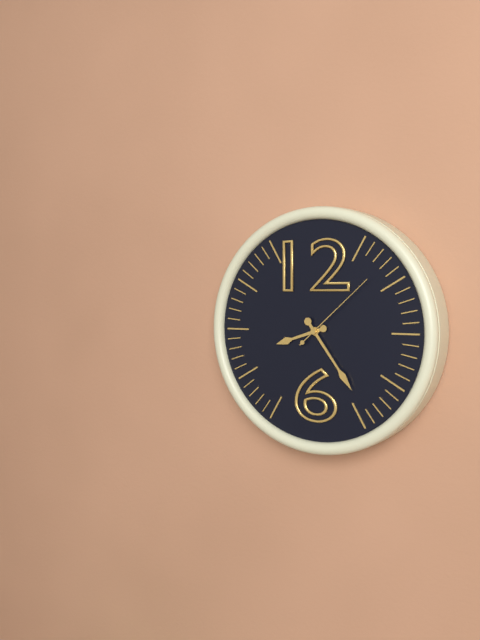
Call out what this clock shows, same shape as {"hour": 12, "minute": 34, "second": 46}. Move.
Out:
{"hour": 8, "minute": 24, "second": 8}
